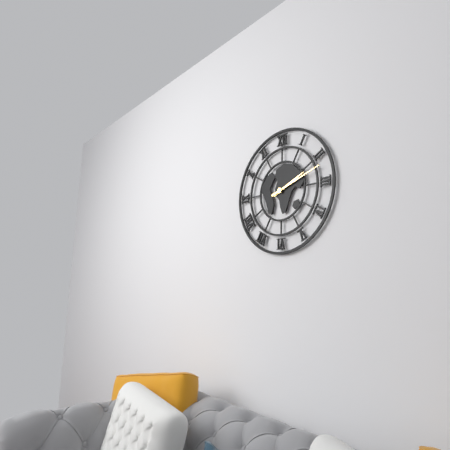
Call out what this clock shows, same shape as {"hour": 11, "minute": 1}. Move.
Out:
{"hour": 2, "minute": 12}
